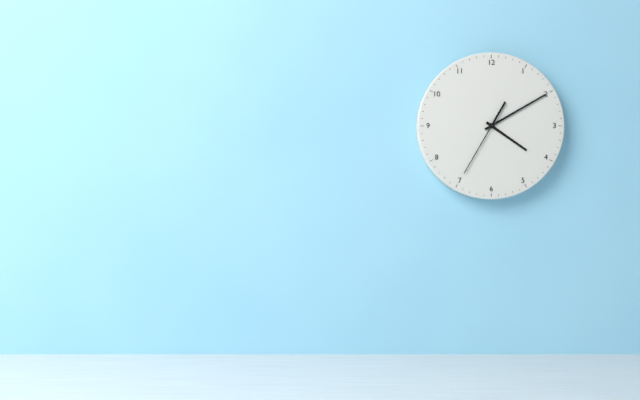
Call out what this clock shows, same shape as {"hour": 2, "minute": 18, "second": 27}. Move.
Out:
{"hour": 4, "minute": 10, "second": 35}
